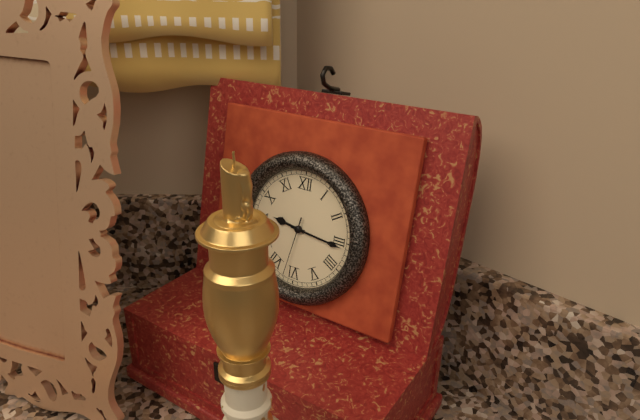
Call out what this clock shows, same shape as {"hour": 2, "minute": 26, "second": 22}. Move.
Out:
{"hour": 9, "minute": 16, "second": 32}
